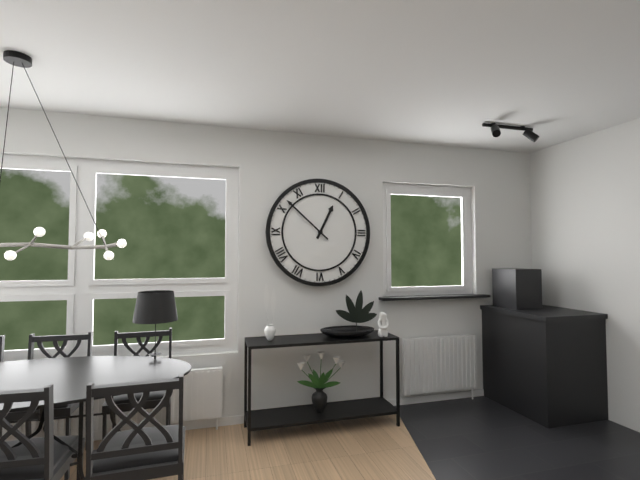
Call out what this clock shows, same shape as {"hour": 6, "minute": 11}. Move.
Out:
{"hour": 12, "minute": 52}
